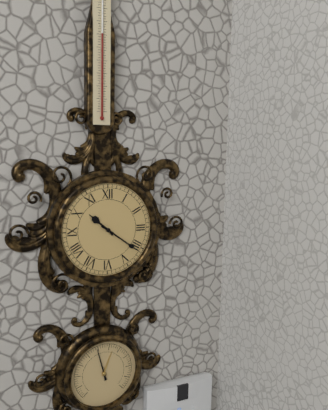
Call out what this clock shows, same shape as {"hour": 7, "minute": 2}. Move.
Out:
{"hour": 10, "minute": 21}
